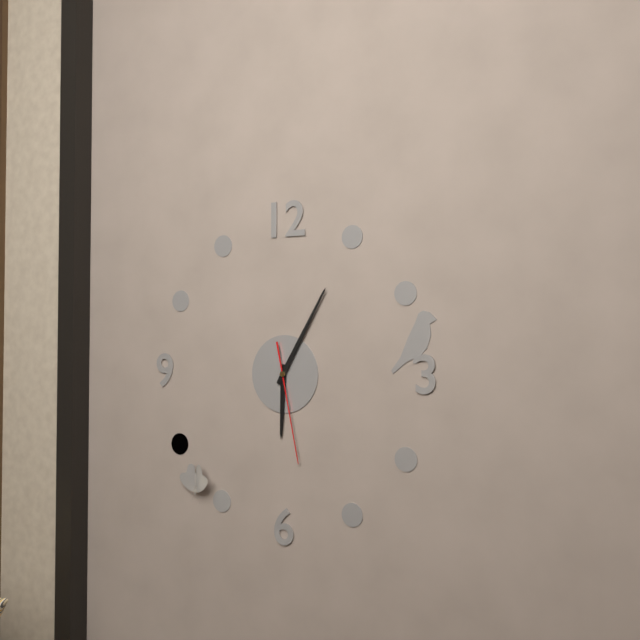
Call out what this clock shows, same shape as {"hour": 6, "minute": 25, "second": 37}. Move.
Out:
{"hour": 6, "minute": 5, "second": 28}
